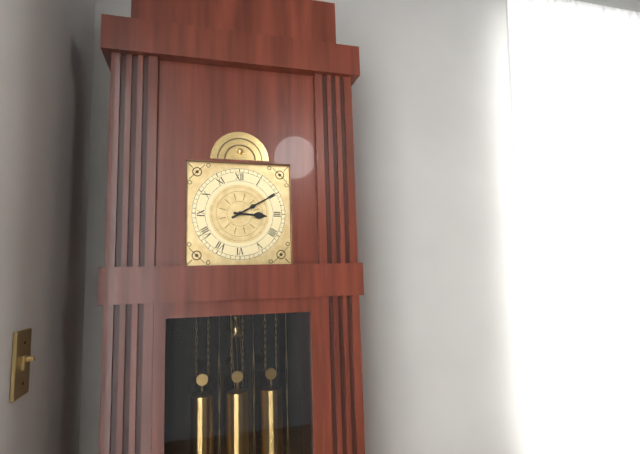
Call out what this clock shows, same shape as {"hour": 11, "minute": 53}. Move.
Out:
{"hour": 3, "minute": 10}
